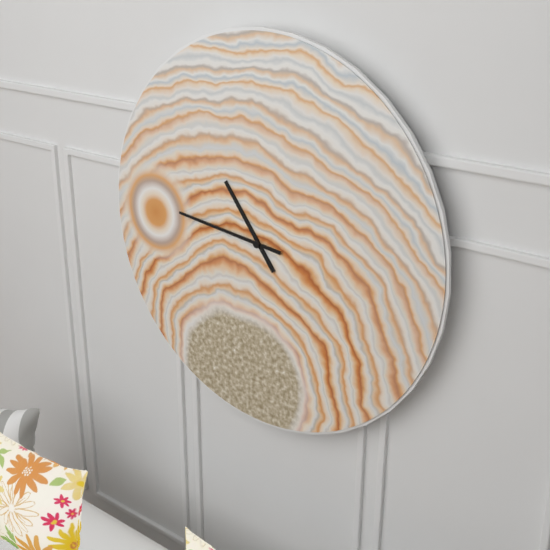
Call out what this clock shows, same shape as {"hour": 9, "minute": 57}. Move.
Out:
{"hour": 10, "minute": 46}
